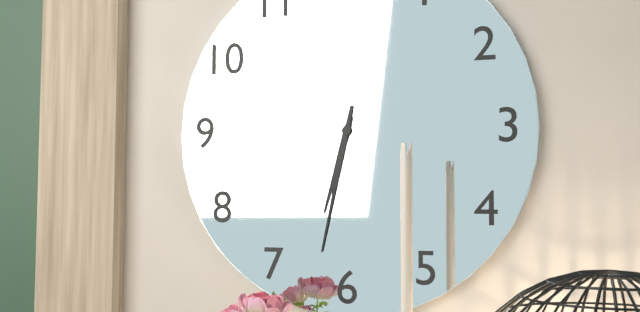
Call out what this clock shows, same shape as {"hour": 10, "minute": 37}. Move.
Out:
{"hour": 6, "minute": 32}
